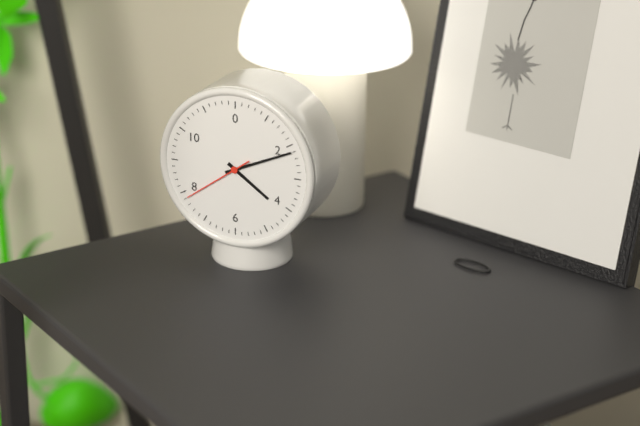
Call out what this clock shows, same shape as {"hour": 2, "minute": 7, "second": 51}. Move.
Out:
{"hour": 4, "minute": 11, "second": 39}
